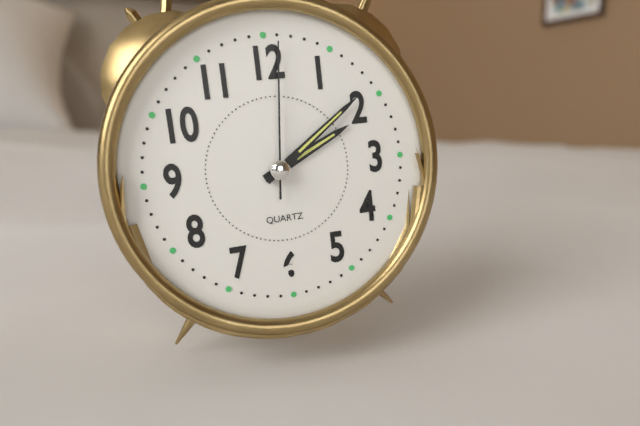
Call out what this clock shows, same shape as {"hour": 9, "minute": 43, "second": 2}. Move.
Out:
{"hour": 2, "minute": 9, "second": 1}
